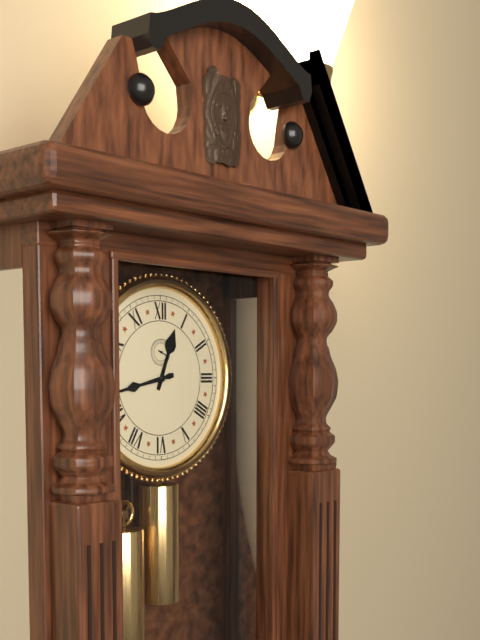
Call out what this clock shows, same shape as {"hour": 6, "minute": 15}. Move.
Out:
{"hour": 12, "minute": 43}
